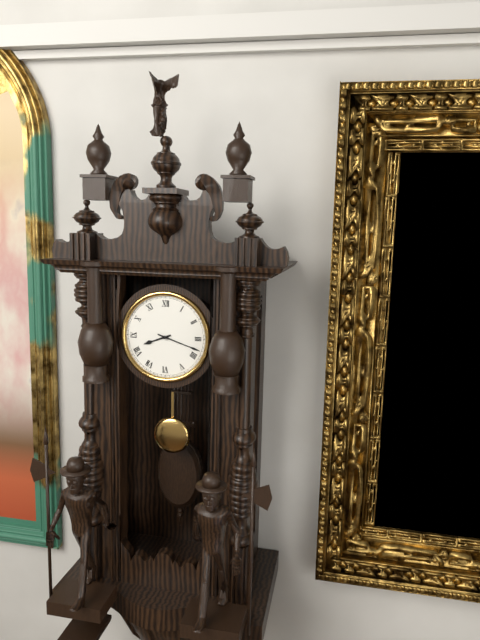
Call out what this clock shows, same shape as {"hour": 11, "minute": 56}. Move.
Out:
{"hour": 8, "minute": 18}
